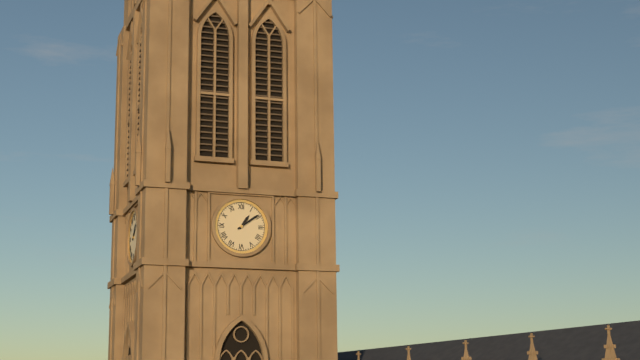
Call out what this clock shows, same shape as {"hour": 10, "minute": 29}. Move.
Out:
{"hour": 1, "minute": 9}
